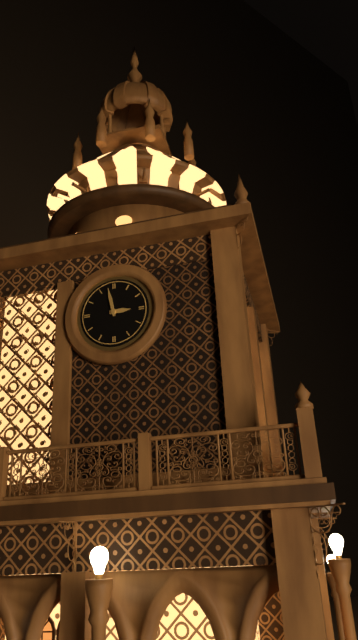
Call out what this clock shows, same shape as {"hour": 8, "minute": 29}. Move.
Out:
{"hour": 2, "minute": 58}
